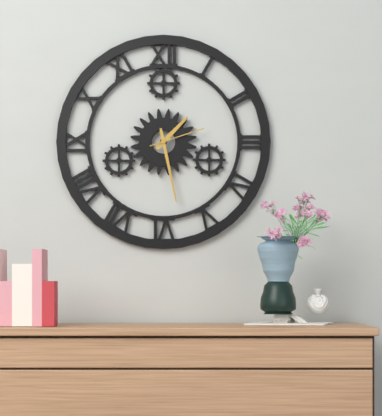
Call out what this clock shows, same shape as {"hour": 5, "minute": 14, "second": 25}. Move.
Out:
{"hour": 1, "minute": 28, "second": 12}
